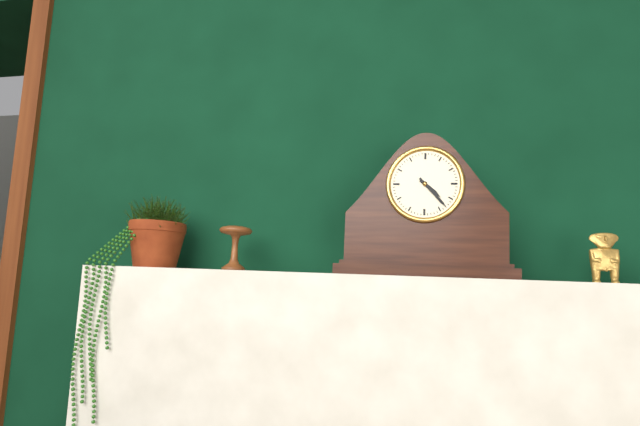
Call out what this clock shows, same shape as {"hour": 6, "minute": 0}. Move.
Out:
{"hour": 4, "minute": 23}
